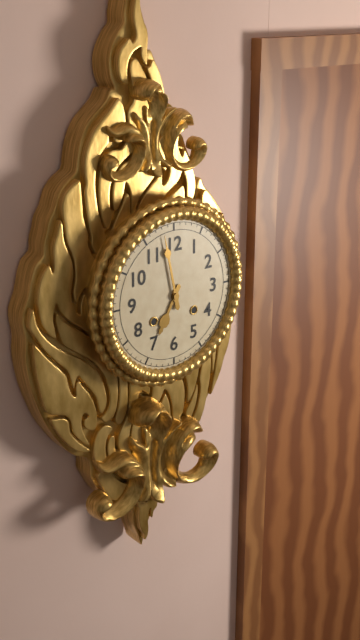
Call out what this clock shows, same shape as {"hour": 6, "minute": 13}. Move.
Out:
{"hour": 6, "minute": 58}
